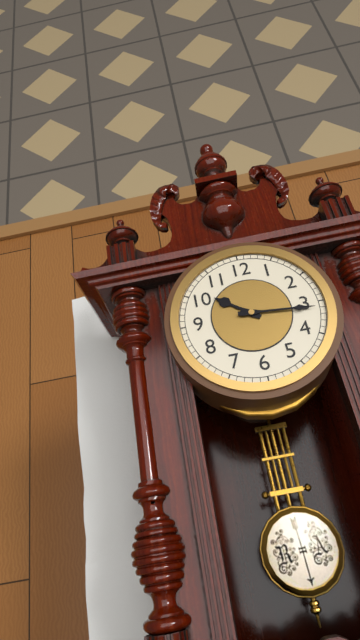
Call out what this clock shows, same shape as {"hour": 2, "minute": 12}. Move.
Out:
{"hour": 10, "minute": 16}
